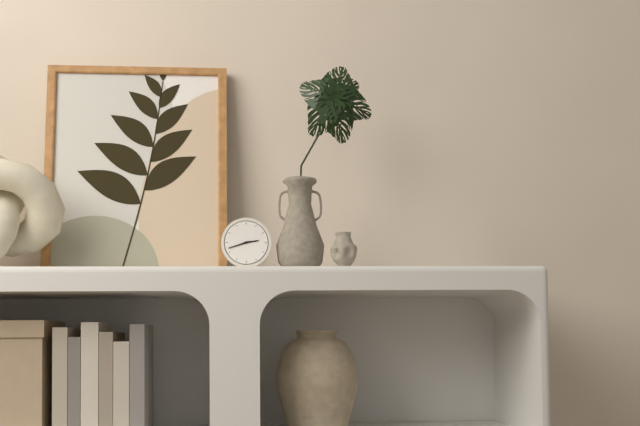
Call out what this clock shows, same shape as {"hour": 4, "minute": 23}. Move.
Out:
{"hour": 2, "minute": 42}
